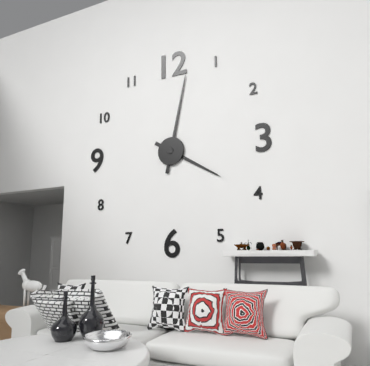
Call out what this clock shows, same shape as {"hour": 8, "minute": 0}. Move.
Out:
{"hour": 4, "minute": 2}
